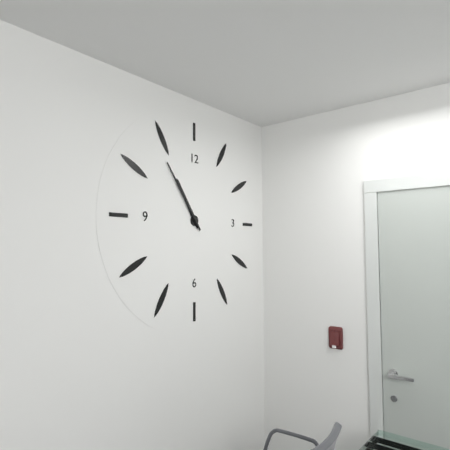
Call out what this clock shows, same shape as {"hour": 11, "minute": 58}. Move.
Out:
{"hour": 10, "minute": 54}
